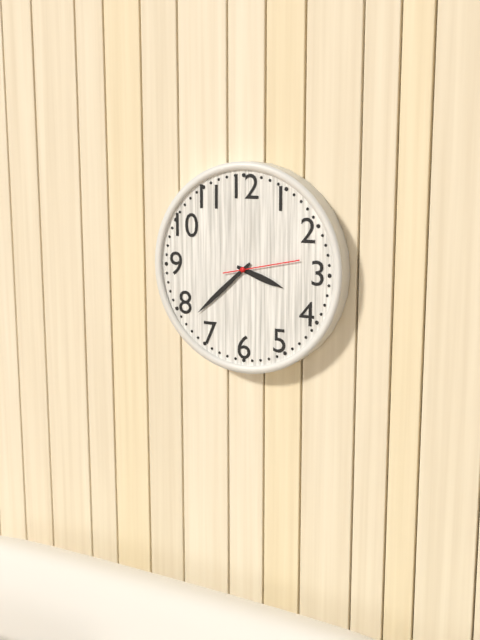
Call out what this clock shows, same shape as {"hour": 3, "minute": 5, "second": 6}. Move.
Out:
{"hour": 3, "minute": 38, "second": 13}
